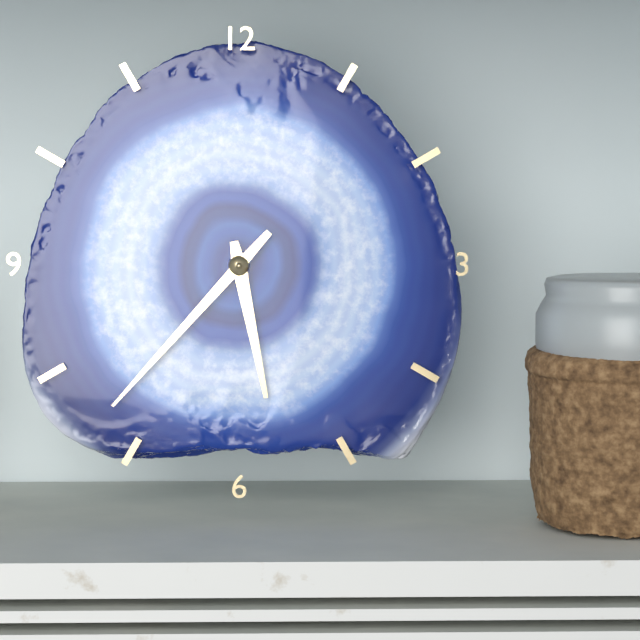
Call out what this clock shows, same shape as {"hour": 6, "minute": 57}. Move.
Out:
{"hour": 5, "minute": 37}
